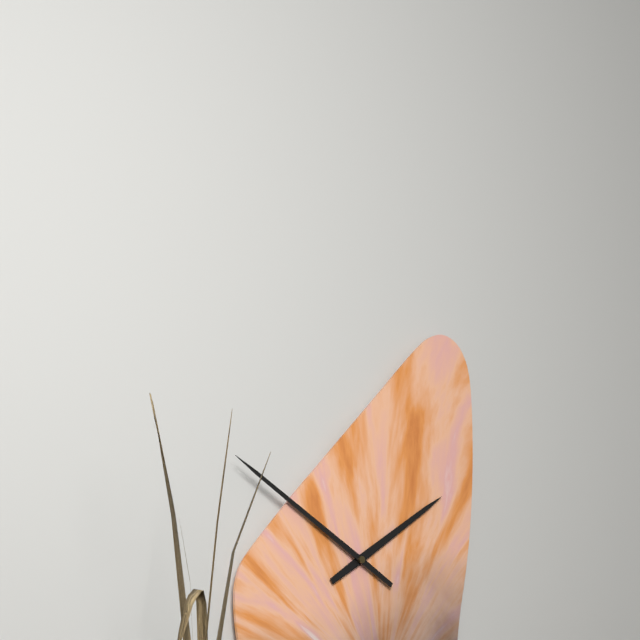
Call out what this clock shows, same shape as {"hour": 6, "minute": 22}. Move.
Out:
{"hour": 1, "minute": 50}
